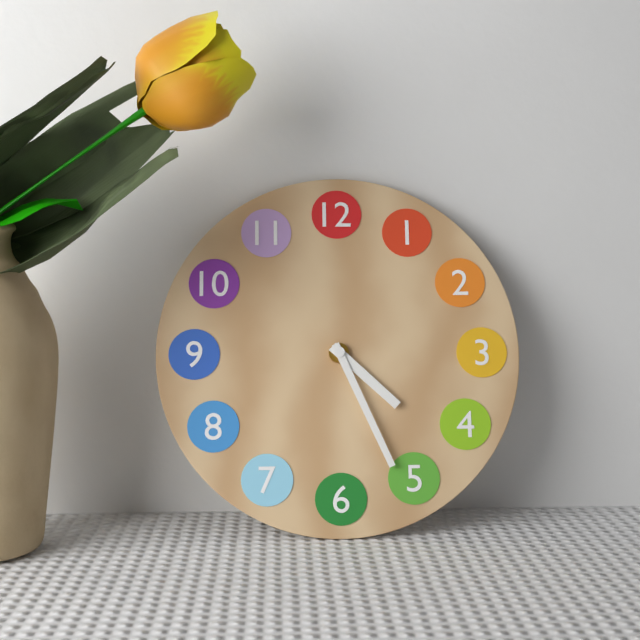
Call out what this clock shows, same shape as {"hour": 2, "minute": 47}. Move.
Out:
{"hour": 4, "minute": 26}
